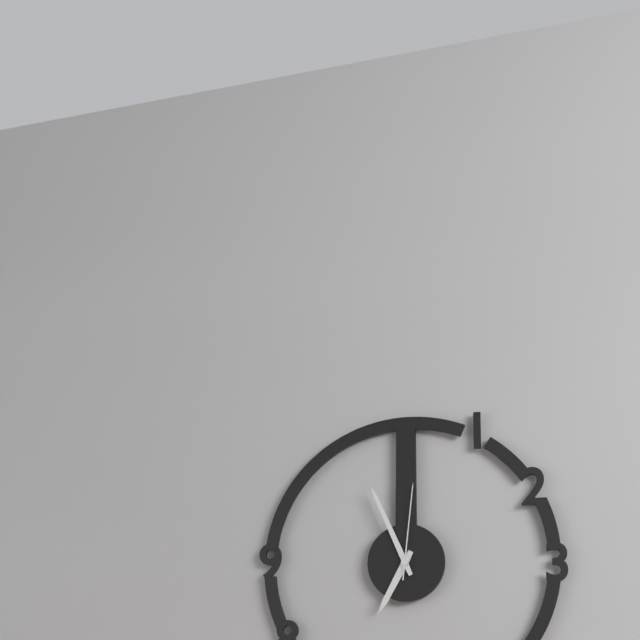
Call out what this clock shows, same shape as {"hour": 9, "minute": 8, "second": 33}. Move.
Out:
{"hour": 6, "minute": 56, "second": 1}
